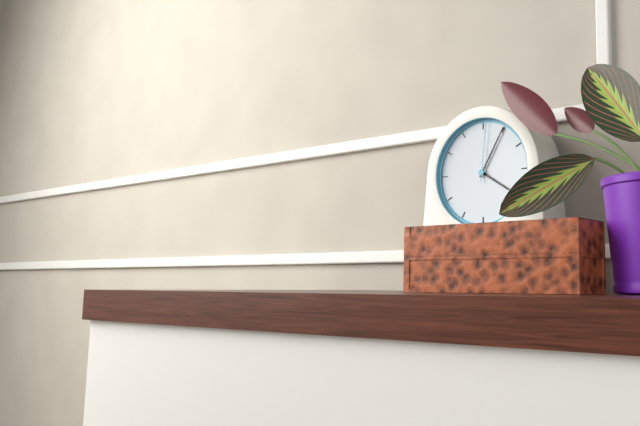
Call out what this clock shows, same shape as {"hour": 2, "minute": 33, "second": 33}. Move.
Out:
{"hour": 4, "minute": 5, "second": 1}
